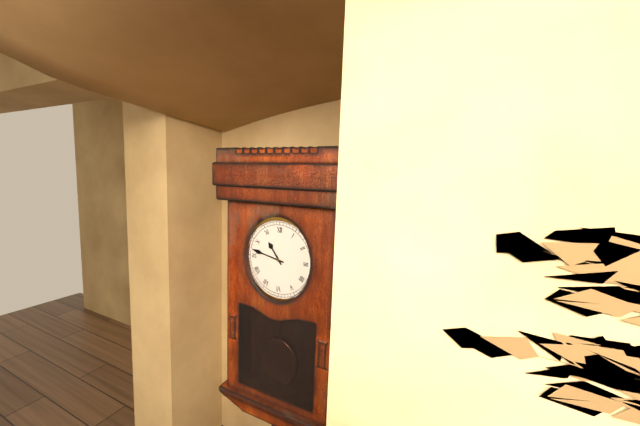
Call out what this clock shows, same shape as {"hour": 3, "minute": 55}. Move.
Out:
{"hour": 10, "minute": 47}
